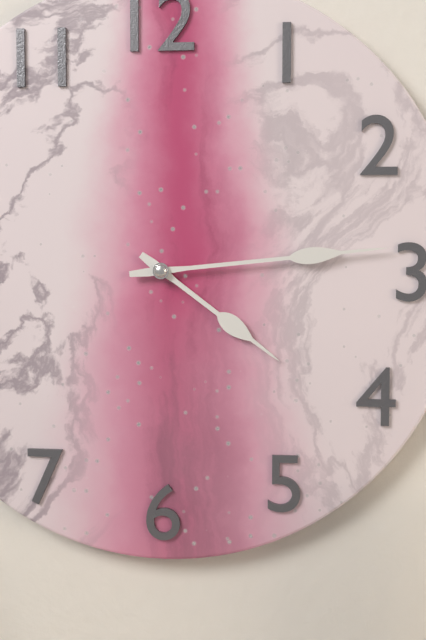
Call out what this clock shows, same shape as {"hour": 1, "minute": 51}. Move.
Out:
{"hour": 4, "minute": 14}
